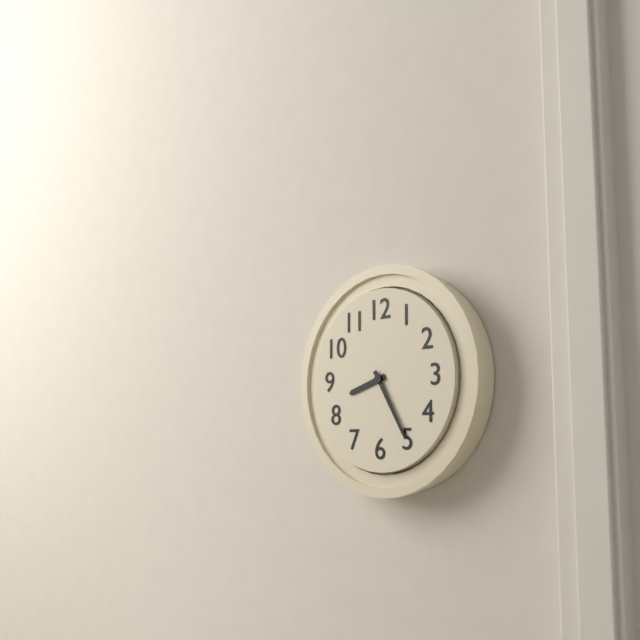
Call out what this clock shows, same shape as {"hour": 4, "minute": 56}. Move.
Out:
{"hour": 8, "minute": 25}
